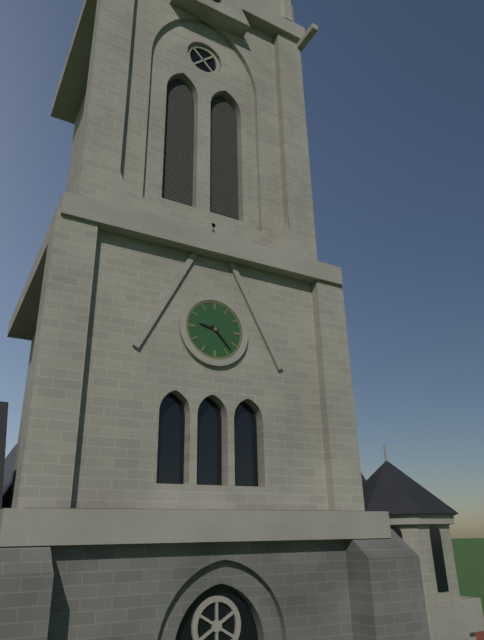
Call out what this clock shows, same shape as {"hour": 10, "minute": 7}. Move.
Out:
{"hour": 9, "minute": 23}
